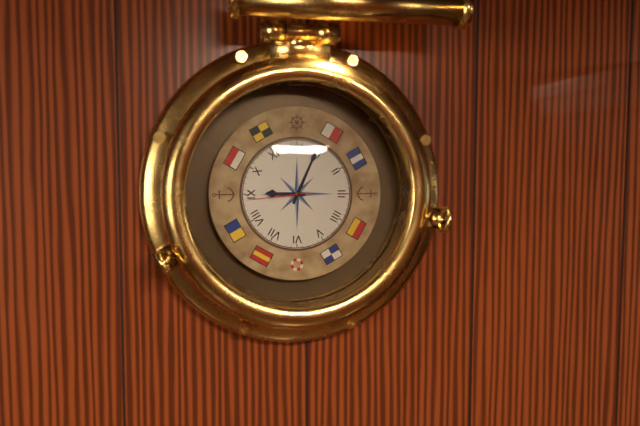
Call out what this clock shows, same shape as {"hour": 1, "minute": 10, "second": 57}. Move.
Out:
{"hour": 9, "minute": 4, "second": 44}
